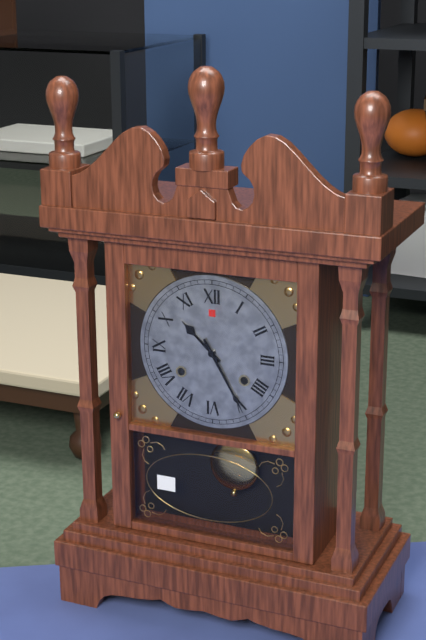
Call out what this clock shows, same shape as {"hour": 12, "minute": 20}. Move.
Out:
{"hour": 10, "minute": 25}
